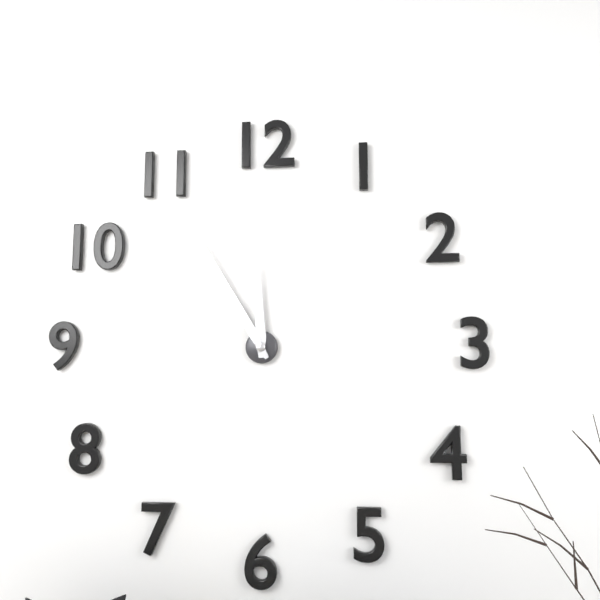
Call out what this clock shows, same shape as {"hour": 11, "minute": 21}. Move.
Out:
{"hour": 11, "minute": 55}
